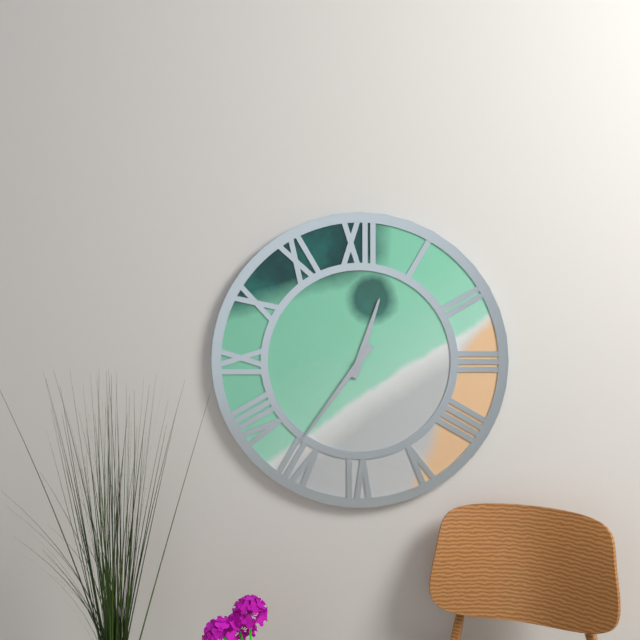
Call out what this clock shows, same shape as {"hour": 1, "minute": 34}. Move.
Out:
{"hour": 12, "minute": 36}
